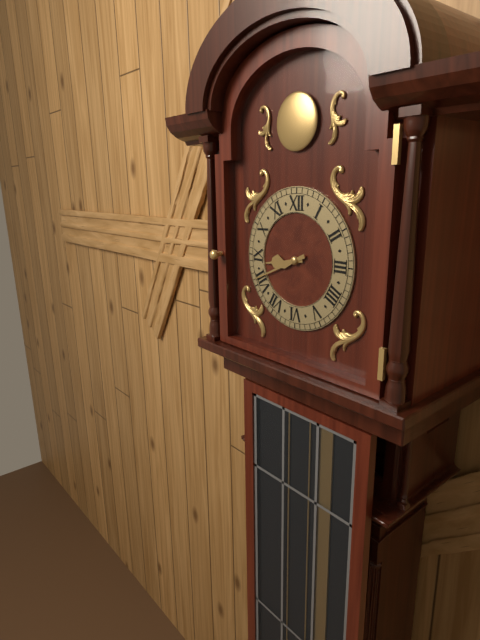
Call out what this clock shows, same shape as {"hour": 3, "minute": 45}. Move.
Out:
{"hour": 8, "minute": 41}
